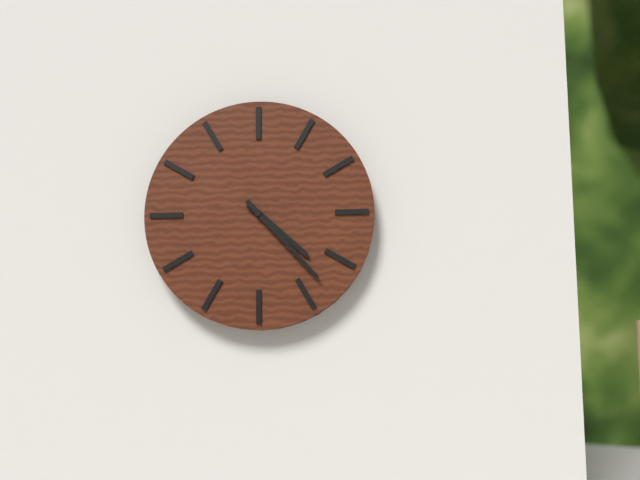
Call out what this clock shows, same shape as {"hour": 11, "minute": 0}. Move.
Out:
{"hour": 4, "minute": 23}
